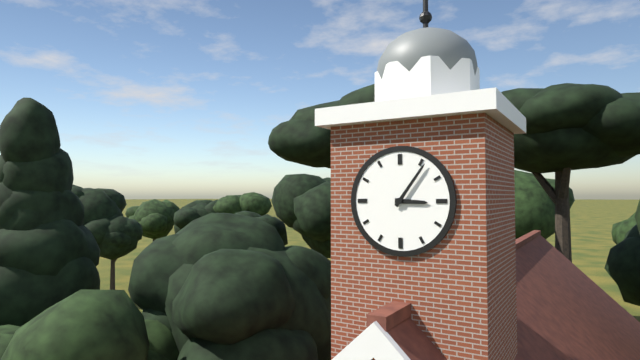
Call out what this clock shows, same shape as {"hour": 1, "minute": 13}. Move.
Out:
{"hour": 3, "minute": 6}
